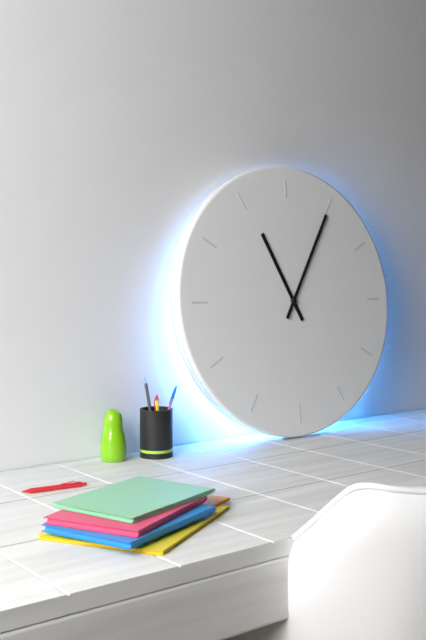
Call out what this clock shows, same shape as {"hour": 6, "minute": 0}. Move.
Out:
{"hour": 11, "minute": 5}
